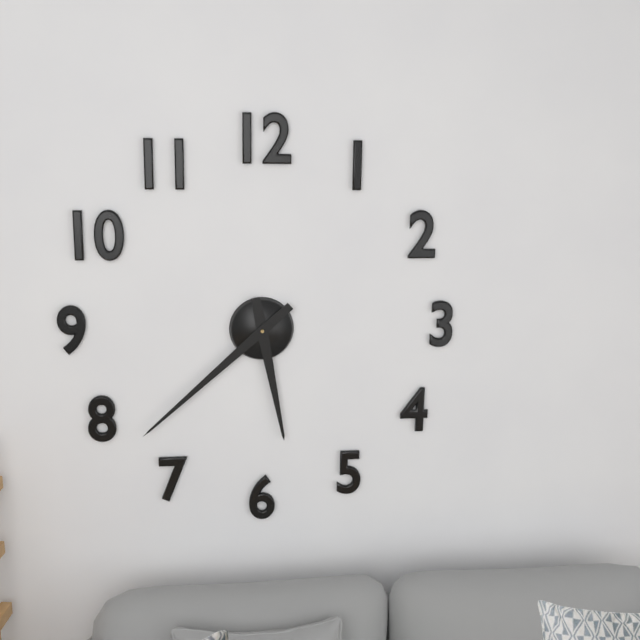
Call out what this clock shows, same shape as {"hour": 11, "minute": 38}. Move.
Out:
{"hour": 5, "minute": 38}
